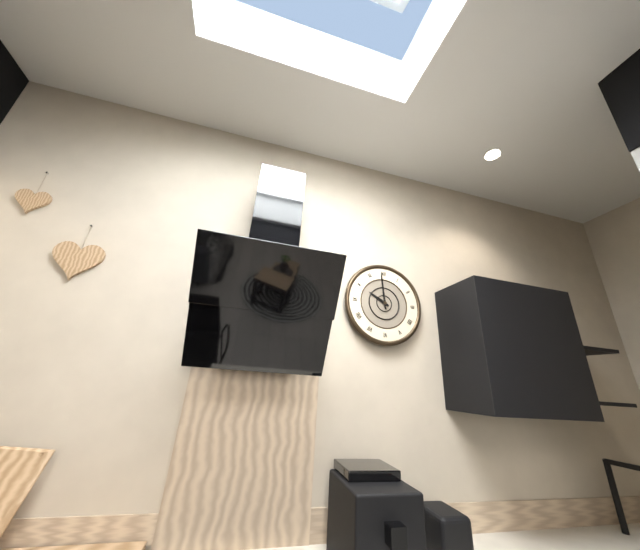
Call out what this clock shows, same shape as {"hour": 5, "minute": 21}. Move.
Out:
{"hour": 9, "minute": 59}
